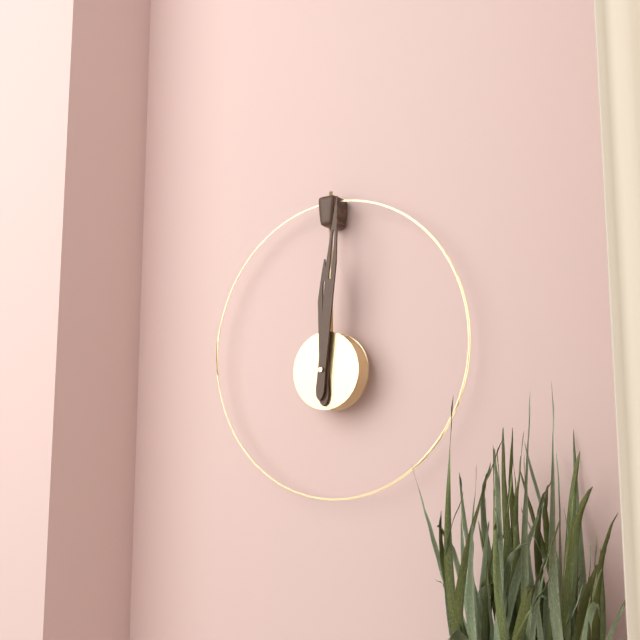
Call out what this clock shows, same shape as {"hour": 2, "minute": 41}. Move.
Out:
{"hour": 12, "minute": 1}
